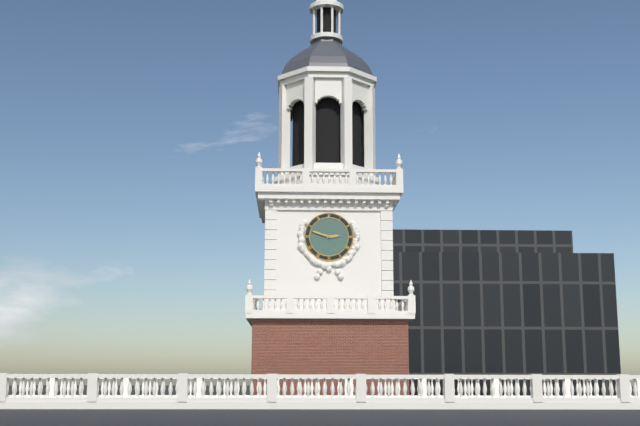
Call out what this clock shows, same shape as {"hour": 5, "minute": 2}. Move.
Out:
{"hour": 2, "minute": 48}
